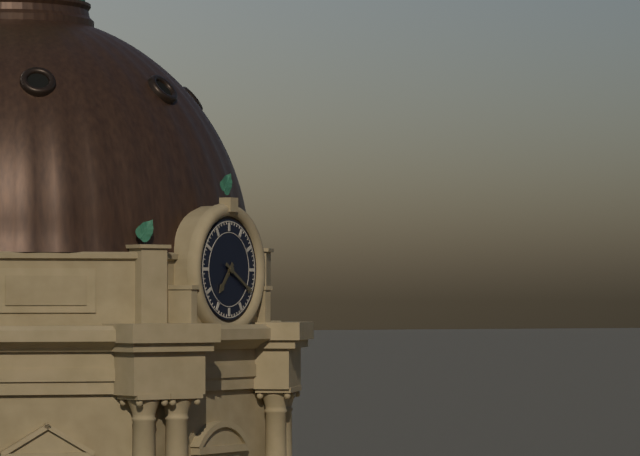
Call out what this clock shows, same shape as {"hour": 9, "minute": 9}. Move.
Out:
{"hour": 7, "minute": 20}
